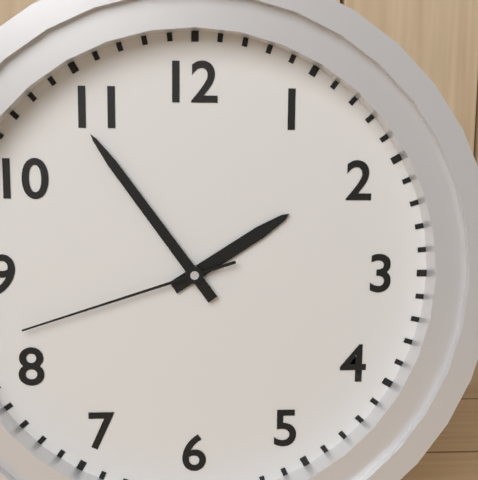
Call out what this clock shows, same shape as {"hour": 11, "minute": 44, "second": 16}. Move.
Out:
{"hour": 1, "minute": 54, "second": 42}
